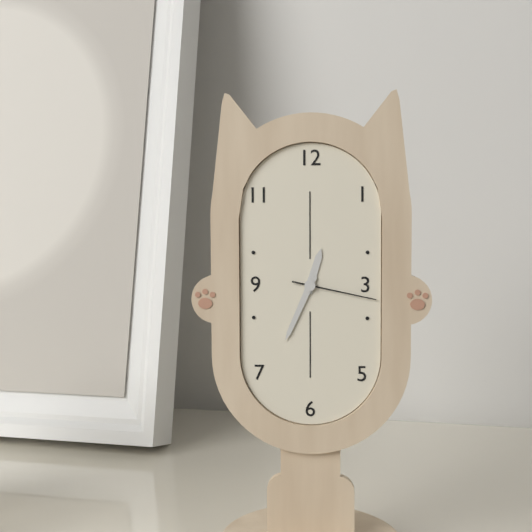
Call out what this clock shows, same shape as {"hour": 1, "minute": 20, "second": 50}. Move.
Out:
{"hour": 12, "minute": 34, "second": 17}
